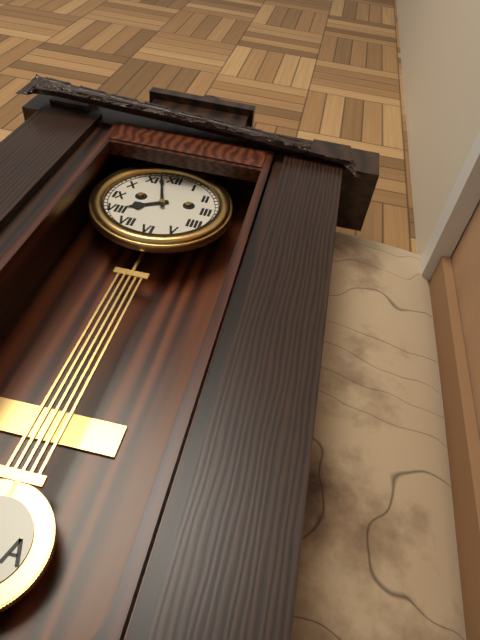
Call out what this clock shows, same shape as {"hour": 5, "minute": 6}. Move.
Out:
{"hour": 7, "minute": 57}
